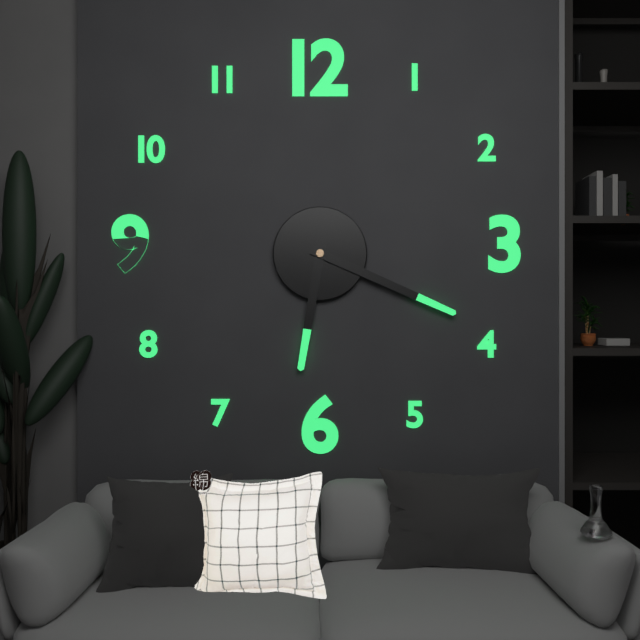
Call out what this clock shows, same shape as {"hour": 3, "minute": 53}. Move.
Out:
{"hour": 6, "minute": 19}
